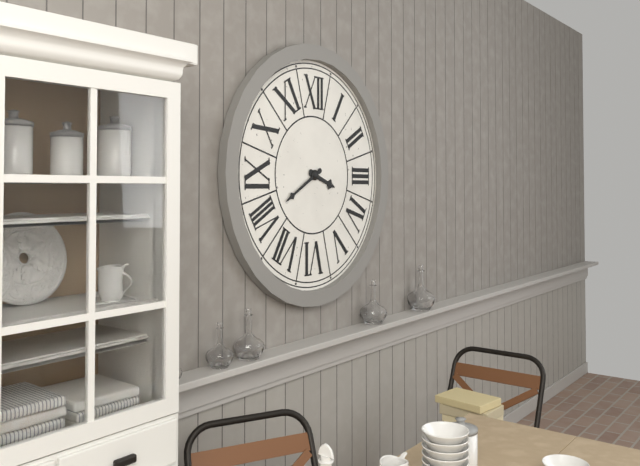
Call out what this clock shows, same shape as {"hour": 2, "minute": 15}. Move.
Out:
{"hour": 3, "minute": 40}
